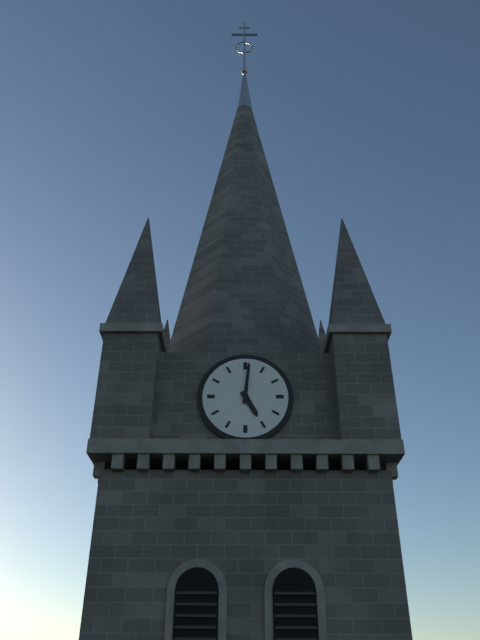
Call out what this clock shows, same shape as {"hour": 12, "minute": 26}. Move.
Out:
{"hour": 5, "minute": 1}
